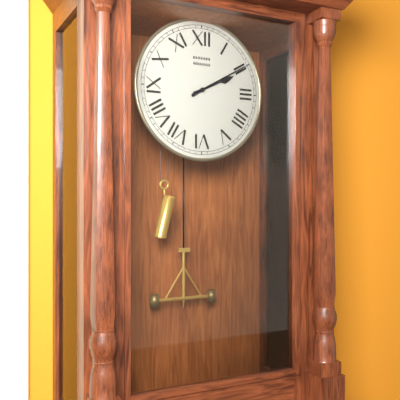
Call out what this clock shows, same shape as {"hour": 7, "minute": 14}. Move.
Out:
{"hour": 2, "minute": 10}
